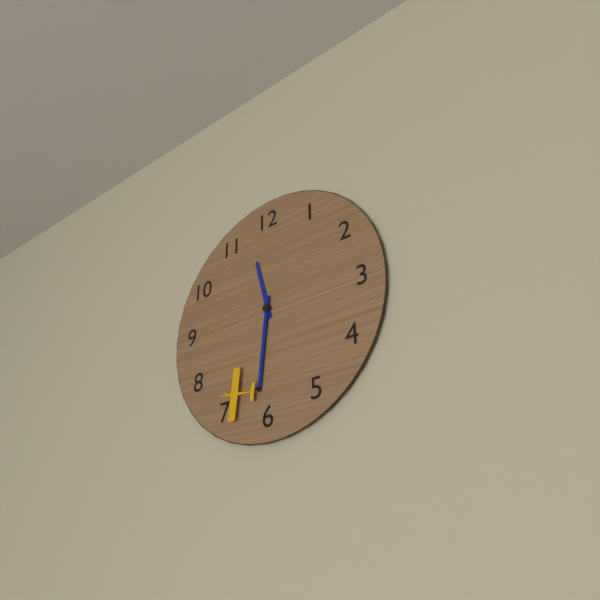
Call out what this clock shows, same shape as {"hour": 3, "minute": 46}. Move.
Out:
{"hour": 11, "minute": 31}
